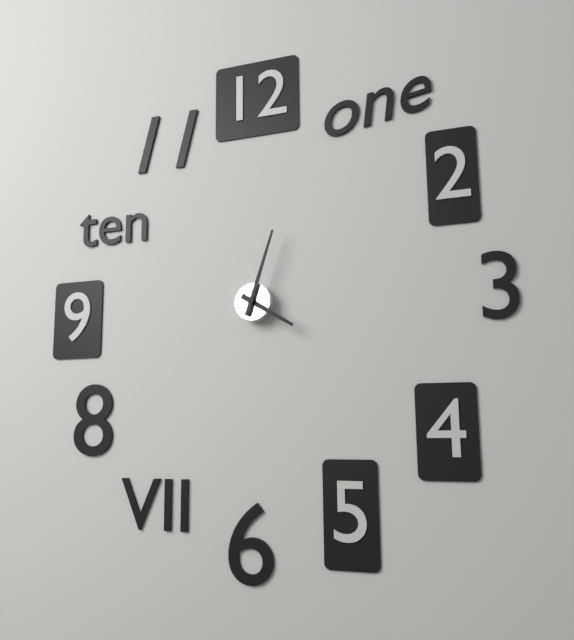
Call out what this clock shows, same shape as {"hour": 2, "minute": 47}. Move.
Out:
{"hour": 4, "minute": 3}
